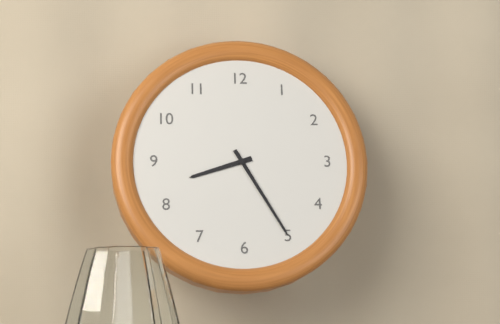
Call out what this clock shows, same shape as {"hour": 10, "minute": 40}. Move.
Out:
{"hour": 8, "minute": 25}
